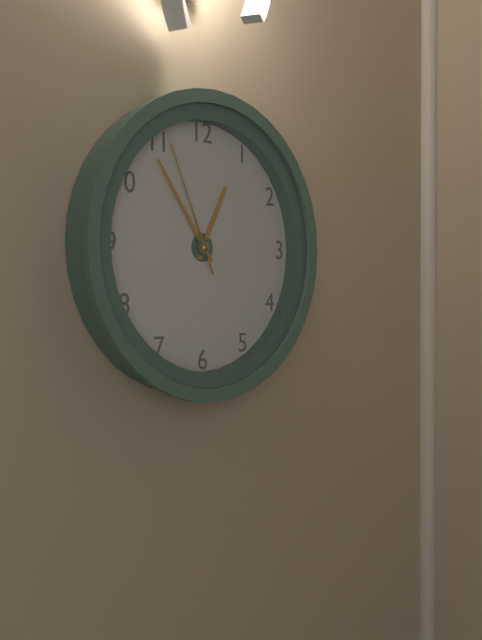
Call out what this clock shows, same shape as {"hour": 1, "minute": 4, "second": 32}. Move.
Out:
{"hour": 12, "minute": 54, "second": 56}
